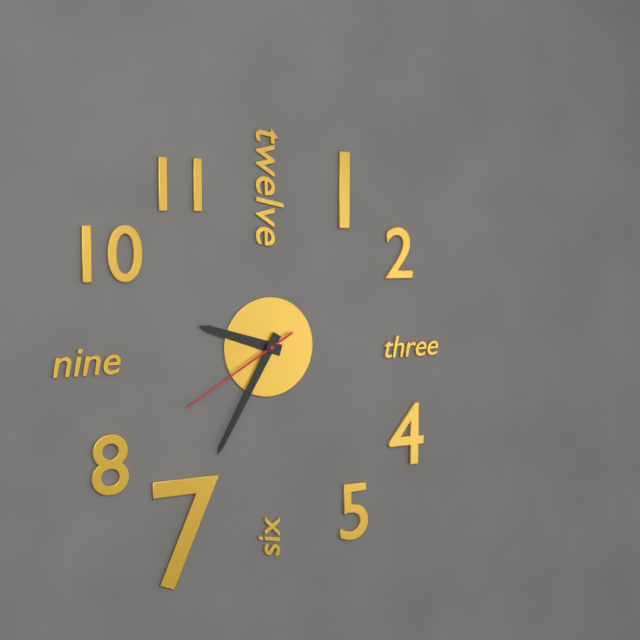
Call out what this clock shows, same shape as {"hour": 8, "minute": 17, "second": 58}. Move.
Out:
{"hour": 9, "minute": 35, "second": 40}
